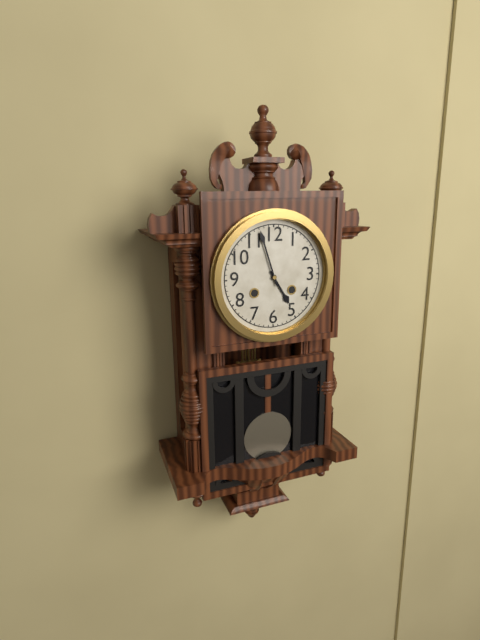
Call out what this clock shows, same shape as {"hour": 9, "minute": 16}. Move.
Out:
{"hour": 4, "minute": 57}
